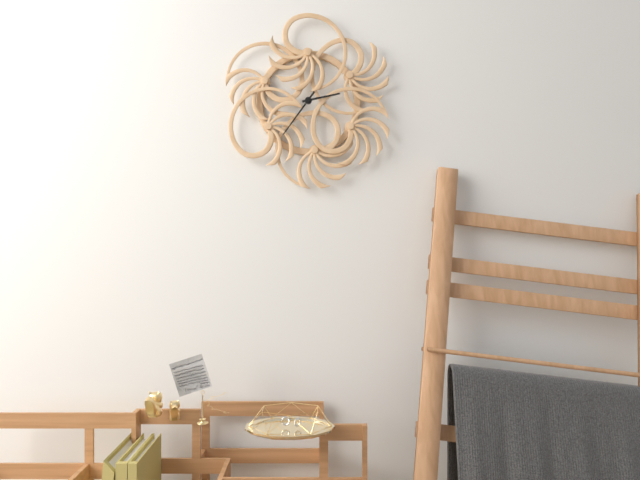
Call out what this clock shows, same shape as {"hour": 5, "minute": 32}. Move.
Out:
{"hour": 2, "minute": 36}
